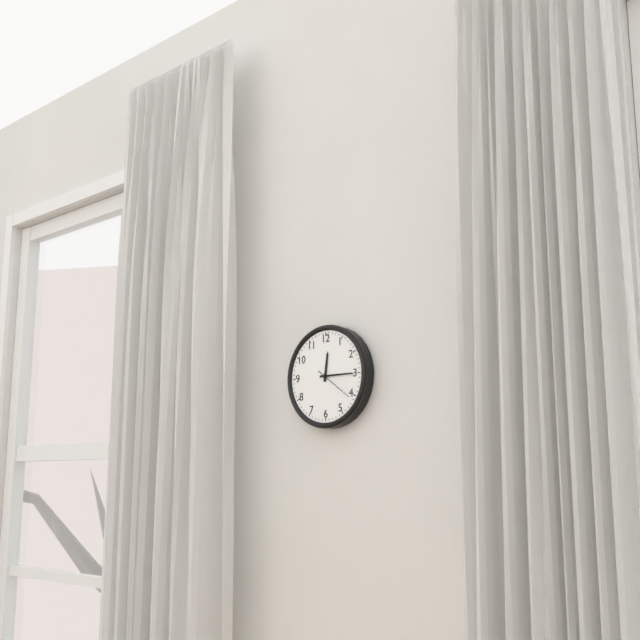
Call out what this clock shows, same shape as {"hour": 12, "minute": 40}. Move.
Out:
{"hour": 12, "minute": 15}
